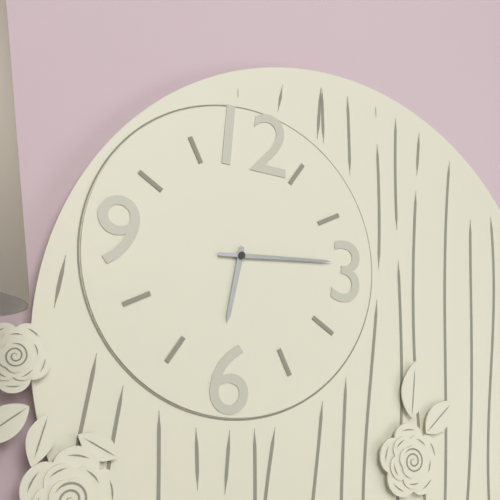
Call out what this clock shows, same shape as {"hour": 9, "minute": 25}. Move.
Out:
{"hour": 6, "minute": 14}
